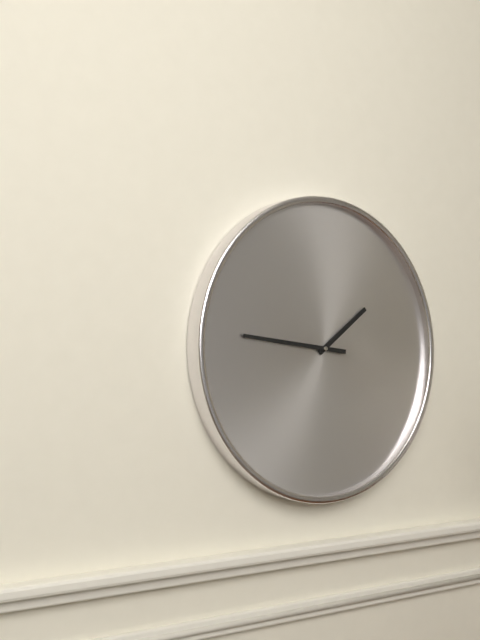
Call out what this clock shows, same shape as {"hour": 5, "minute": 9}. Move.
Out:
{"hour": 1, "minute": 46}
